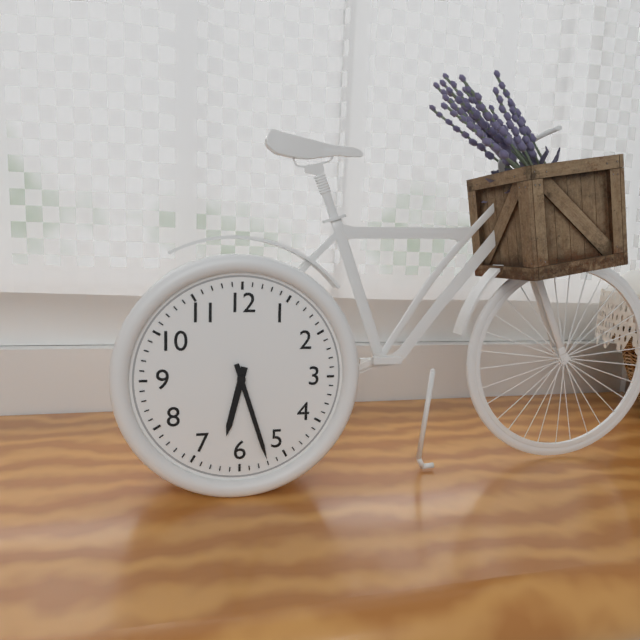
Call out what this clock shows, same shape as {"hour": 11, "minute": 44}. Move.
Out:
{"hour": 6, "minute": 27}
